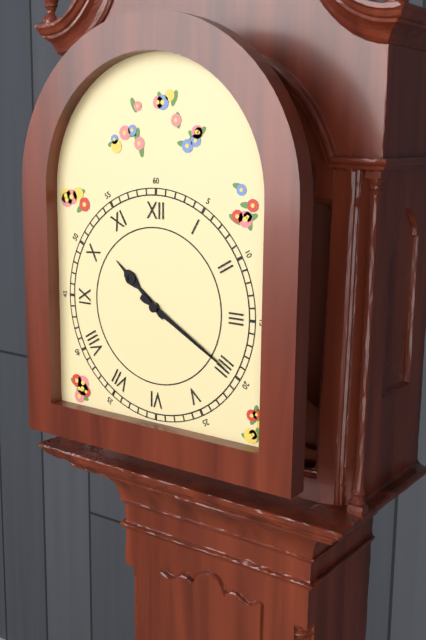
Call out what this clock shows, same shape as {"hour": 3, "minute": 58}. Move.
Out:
{"hour": 10, "minute": 20}
